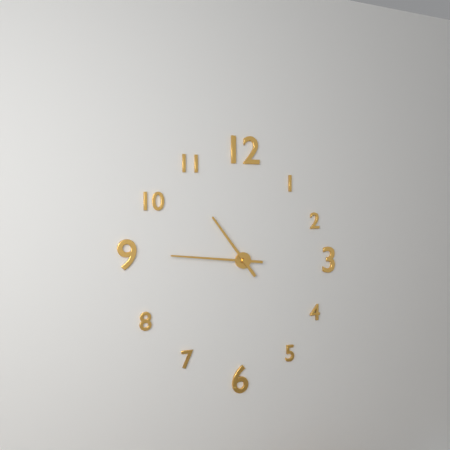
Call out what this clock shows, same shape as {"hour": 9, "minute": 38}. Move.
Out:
{"hour": 10, "minute": 46}
